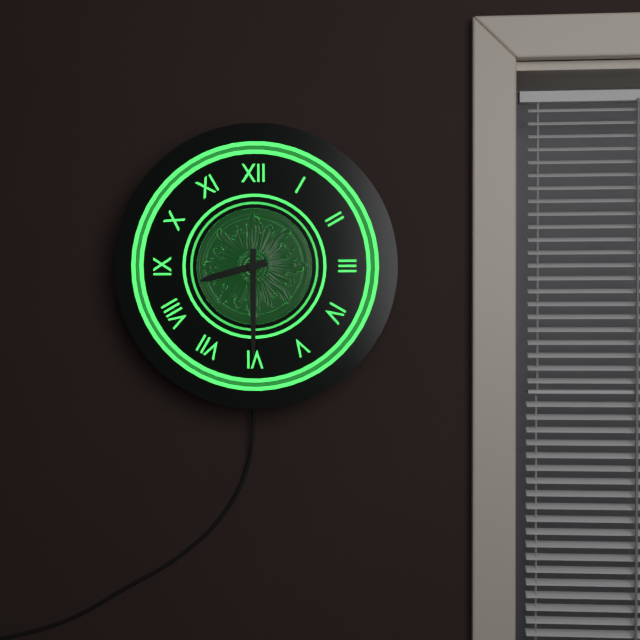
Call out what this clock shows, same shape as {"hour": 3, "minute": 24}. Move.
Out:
{"hour": 8, "minute": 30}
